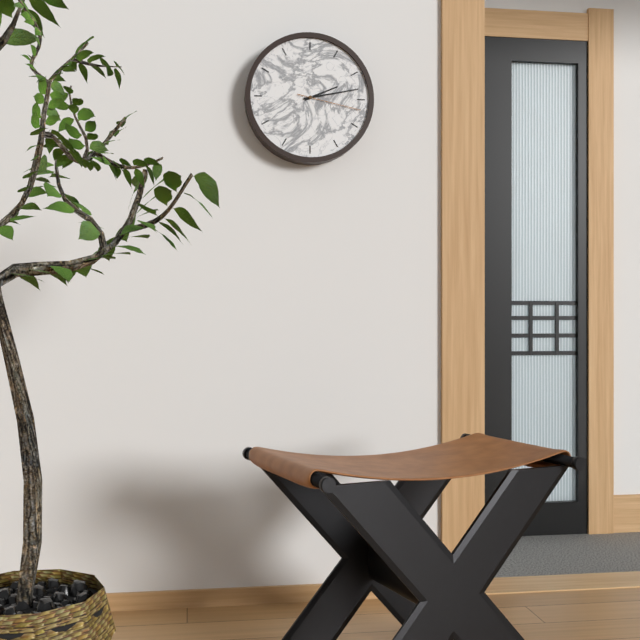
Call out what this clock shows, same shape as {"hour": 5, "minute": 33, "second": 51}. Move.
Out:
{"hour": 2, "minute": 13, "second": 17}
